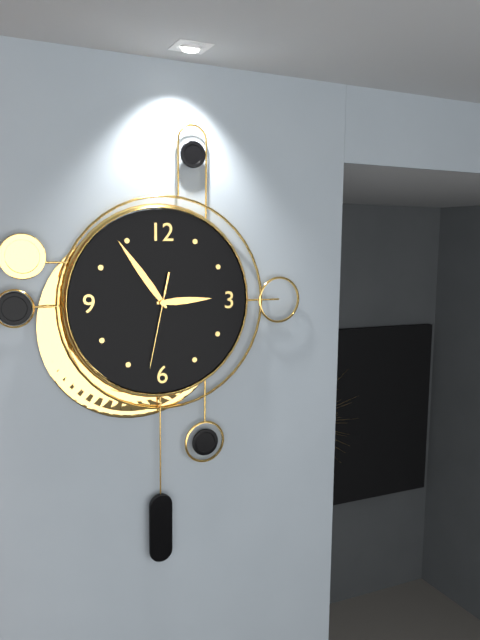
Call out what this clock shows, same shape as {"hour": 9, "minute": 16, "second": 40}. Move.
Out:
{"hour": 2, "minute": 54, "second": 32}
